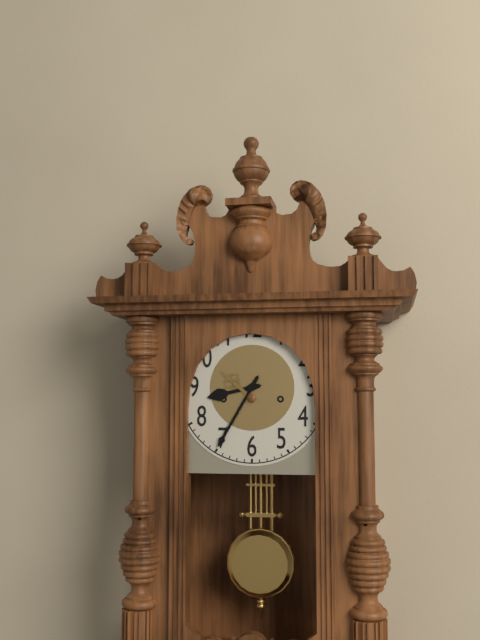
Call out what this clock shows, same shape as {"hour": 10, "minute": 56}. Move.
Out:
{"hour": 8, "minute": 35}
